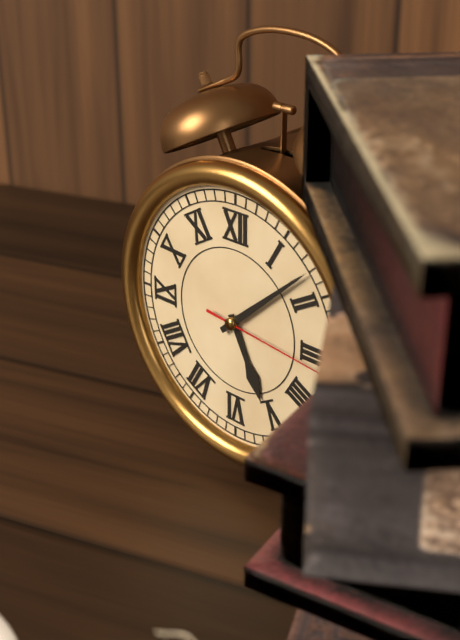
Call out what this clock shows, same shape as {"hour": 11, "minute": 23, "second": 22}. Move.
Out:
{"hour": 5, "minute": 8, "second": 16}
